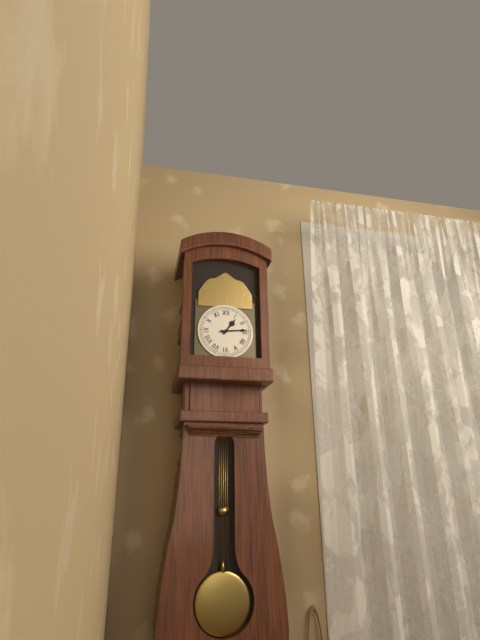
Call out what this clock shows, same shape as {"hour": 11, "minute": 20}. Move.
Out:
{"hour": 1, "minute": 14}
